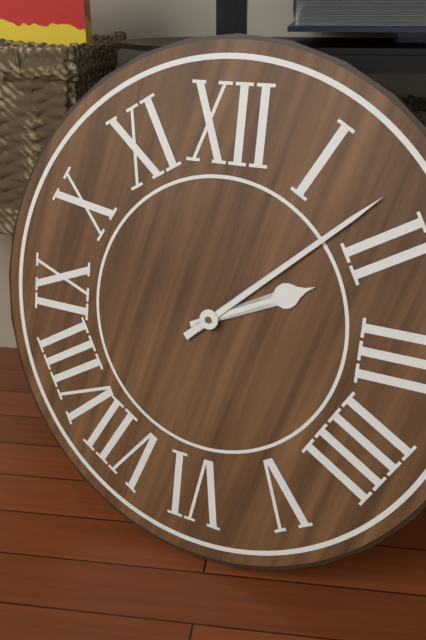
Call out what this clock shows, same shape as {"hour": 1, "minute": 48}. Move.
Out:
{"hour": 2, "minute": 8}
